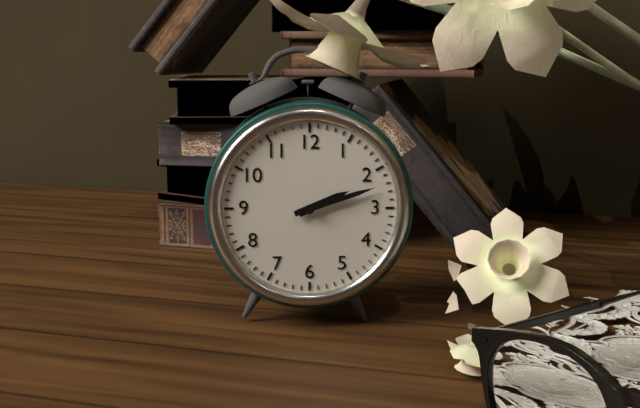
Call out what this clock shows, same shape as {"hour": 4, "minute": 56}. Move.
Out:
{"hour": 2, "minute": 12}
